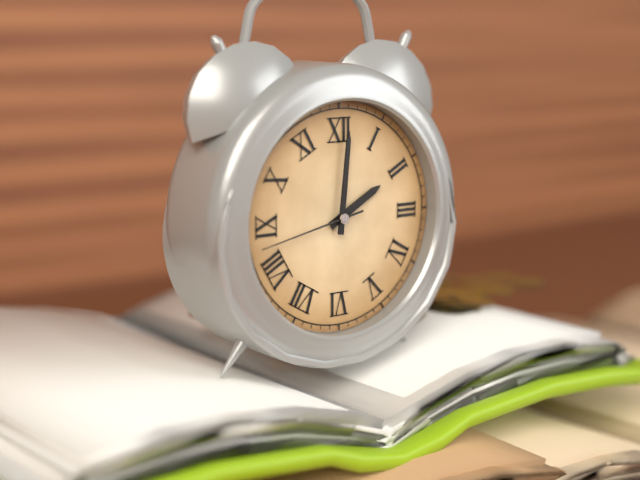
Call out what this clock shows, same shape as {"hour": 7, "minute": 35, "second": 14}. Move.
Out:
{"hour": 2, "minute": 1, "second": 43}
